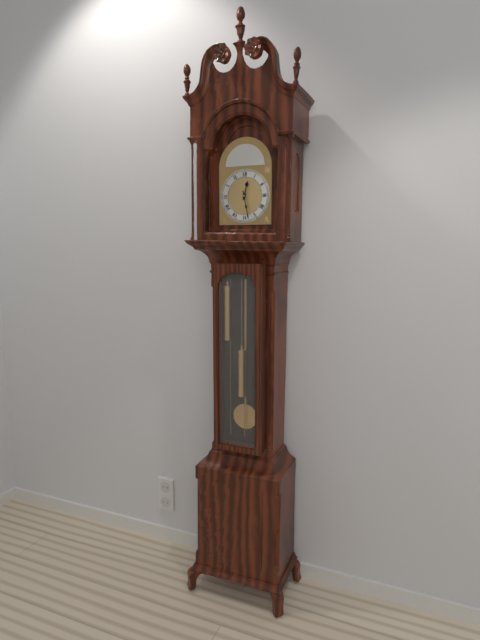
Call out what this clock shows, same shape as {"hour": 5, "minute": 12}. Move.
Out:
{"hour": 12, "minute": 28}
